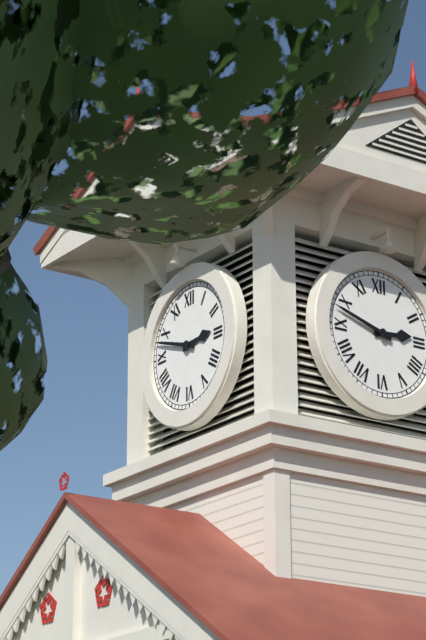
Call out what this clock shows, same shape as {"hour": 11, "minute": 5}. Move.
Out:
{"hour": 2, "minute": 48}
